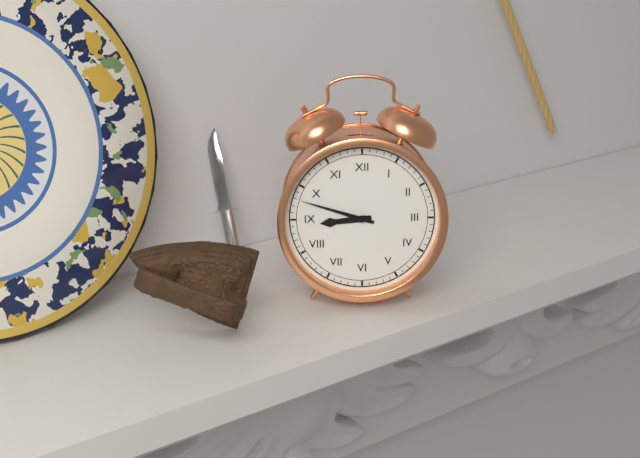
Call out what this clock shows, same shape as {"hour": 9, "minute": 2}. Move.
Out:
{"hour": 8, "minute": 48}
